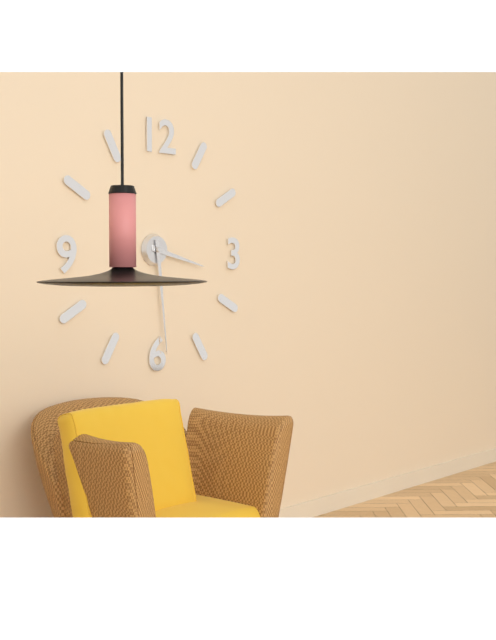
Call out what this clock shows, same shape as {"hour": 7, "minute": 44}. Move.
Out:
{"hour": 3, "minute": 29}
